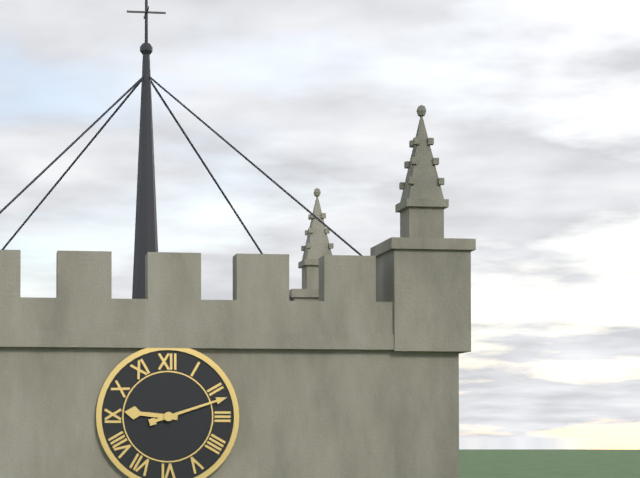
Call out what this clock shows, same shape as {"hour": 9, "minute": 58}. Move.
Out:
{"hour": 9, "minute": 12}
